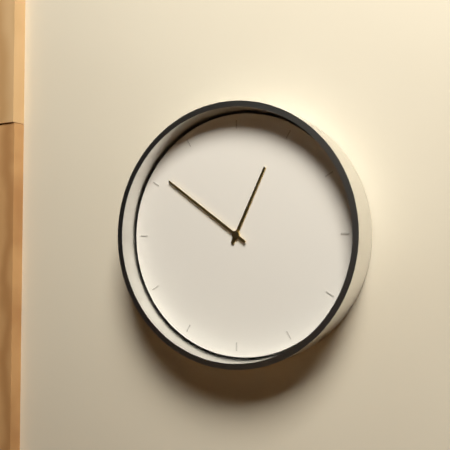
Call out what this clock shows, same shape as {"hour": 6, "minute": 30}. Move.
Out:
{"hour": 12, "minute": 51}
